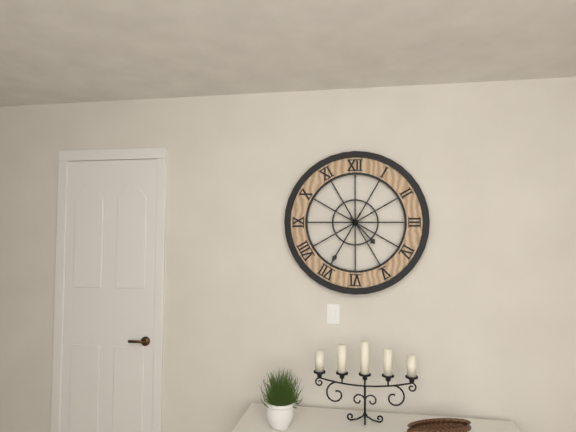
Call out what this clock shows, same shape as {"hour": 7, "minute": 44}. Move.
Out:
{"hour": 4, "minute": 35}
